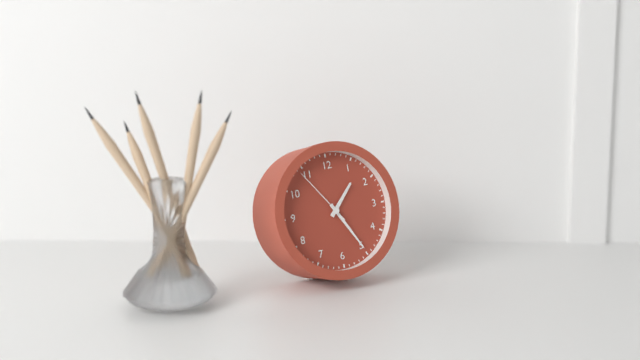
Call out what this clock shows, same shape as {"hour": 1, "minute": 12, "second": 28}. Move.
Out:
{"hour": 1, "minute": 25, "second": 54}
